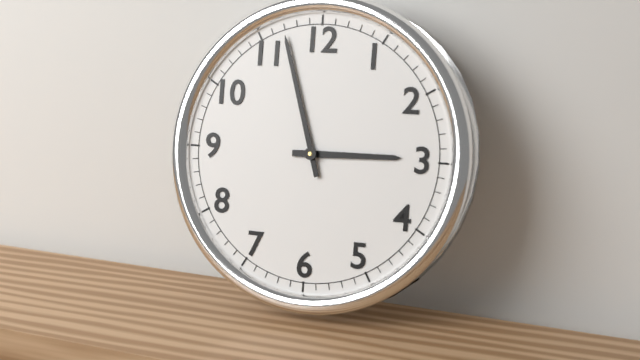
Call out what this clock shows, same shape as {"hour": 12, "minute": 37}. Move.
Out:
{"hour": 2, "minute": 57}
